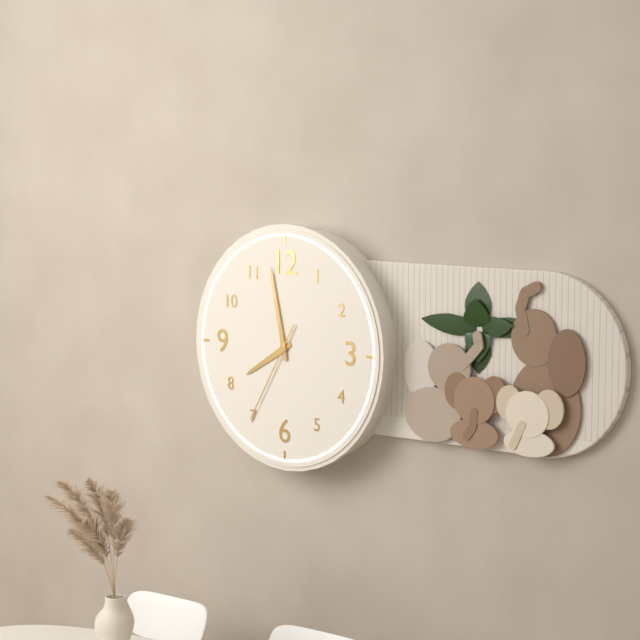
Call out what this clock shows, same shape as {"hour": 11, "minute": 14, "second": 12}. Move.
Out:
{"hour": 7, "minute": 58, "second": 35}
